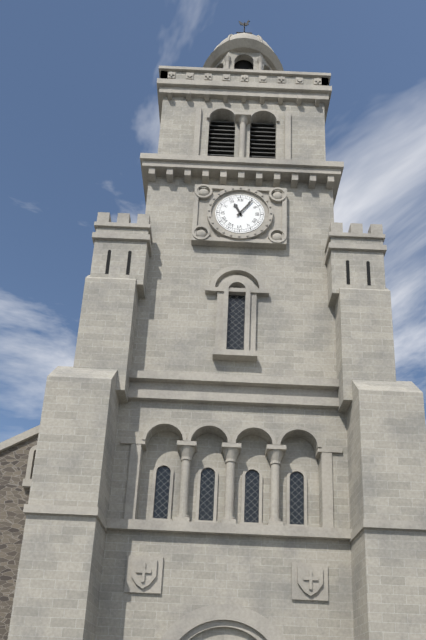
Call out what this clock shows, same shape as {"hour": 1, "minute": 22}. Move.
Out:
{"hour": 11, "minute": 6}
